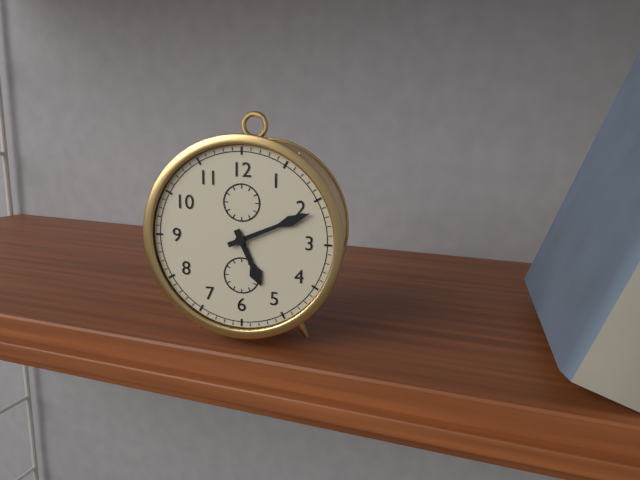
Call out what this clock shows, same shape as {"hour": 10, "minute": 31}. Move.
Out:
{"hour": 5, "minute": 11}
